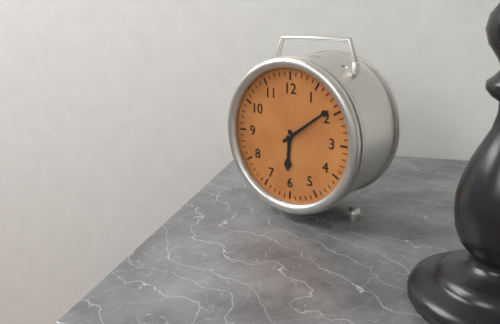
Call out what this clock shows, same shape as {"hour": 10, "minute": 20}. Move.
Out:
{"hour": 6, "minute": 9}
